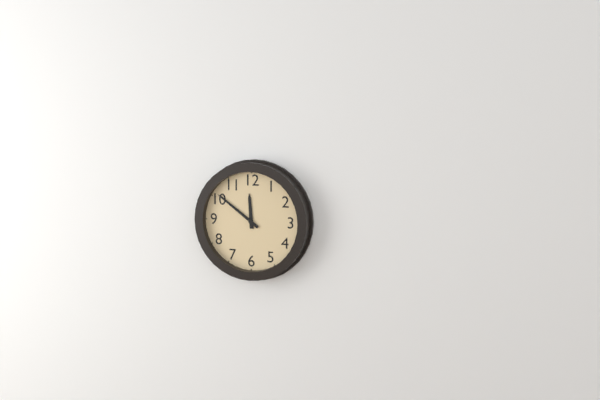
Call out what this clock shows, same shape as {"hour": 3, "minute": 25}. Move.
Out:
{"hour": 11, "minute": 51}
